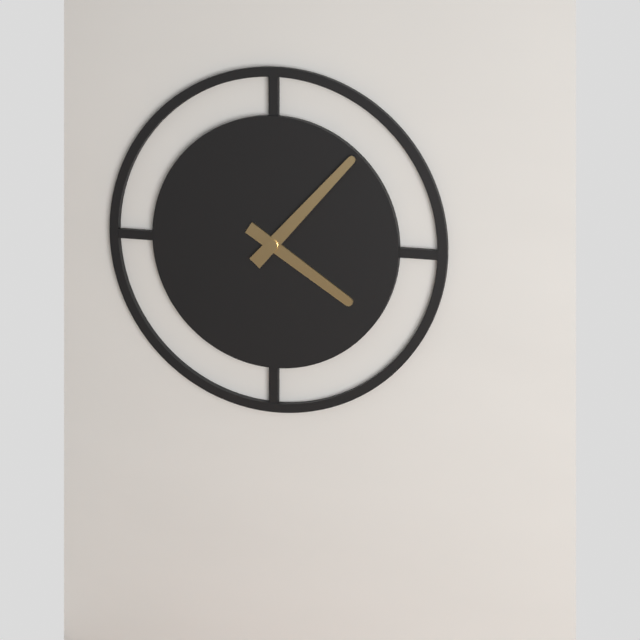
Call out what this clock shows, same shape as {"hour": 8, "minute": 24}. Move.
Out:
{"hour": 4, "minute": 7}
